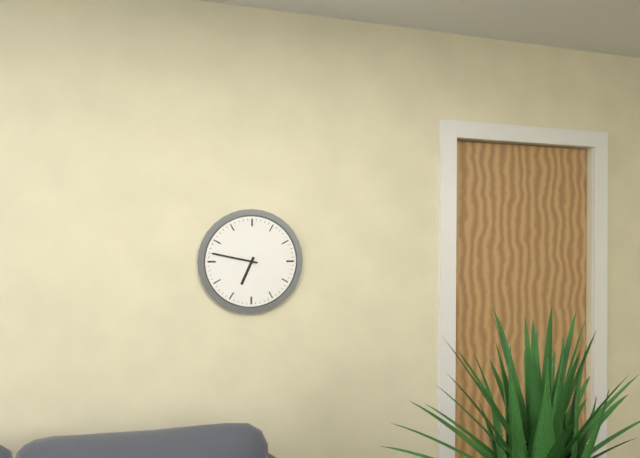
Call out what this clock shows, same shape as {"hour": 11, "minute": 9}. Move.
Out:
{"hour": 6, "minute": 47}
